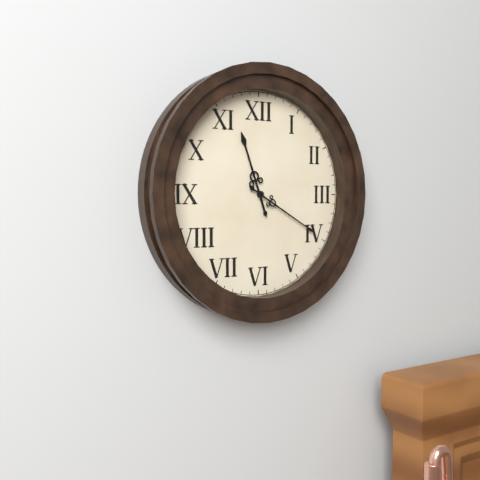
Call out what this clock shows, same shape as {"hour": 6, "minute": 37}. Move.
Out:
{"hour": 11, "minute": 20}
